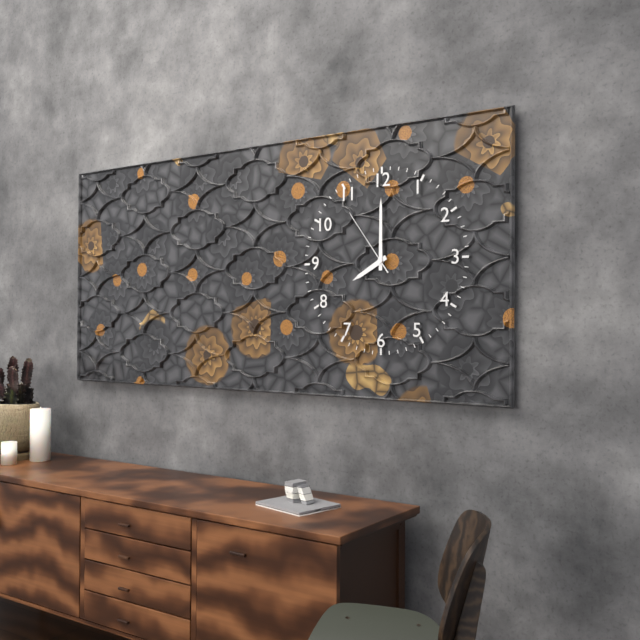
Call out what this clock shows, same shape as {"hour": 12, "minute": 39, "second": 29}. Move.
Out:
{"hour": 8, "minute": 0, "second": 54}
